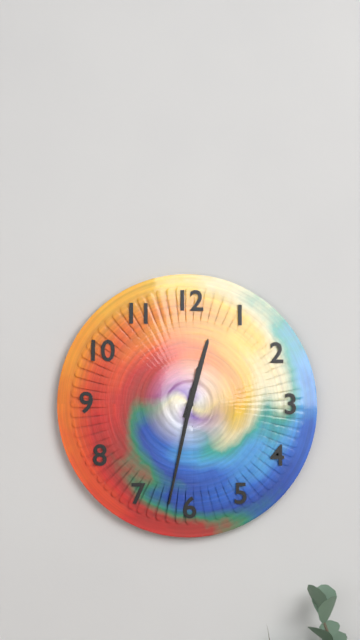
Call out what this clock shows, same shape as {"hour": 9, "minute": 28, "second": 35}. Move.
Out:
{"hour": 12, "minute": 32, "second": 32}
